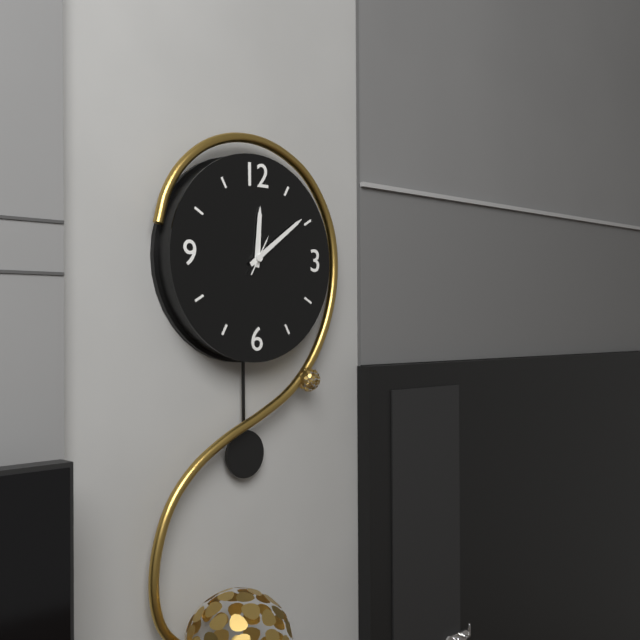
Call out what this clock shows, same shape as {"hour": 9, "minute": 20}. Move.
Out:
{"hour": 12, "minute": 9}
